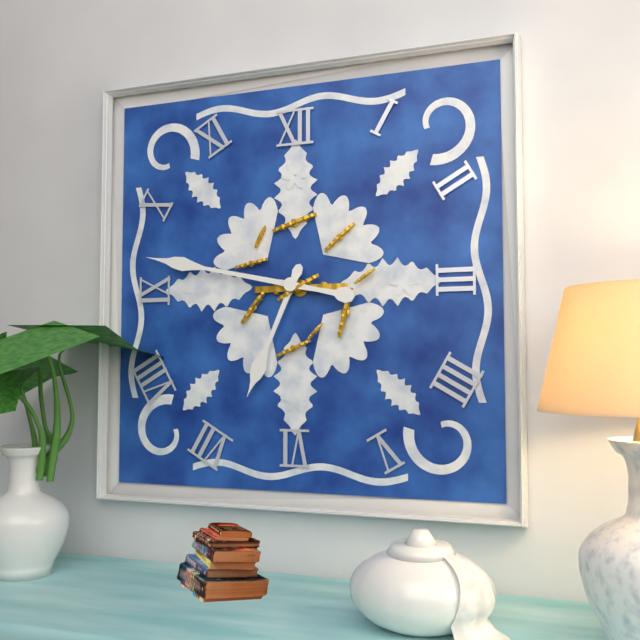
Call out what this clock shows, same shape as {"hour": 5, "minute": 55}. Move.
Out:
{"hour": 6, "minute": 47}
